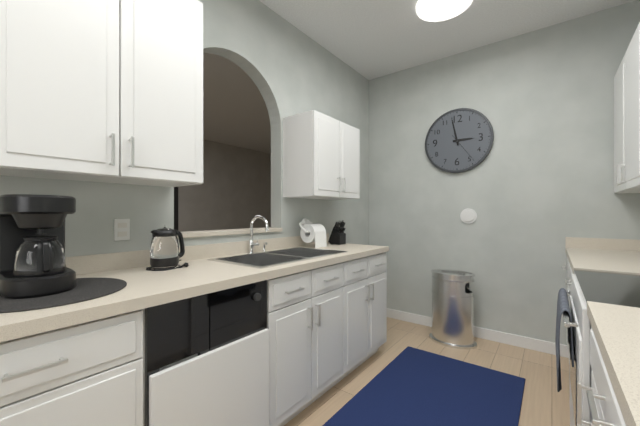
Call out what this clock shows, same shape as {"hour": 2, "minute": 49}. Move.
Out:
{"hour": 2, "minute": 58}
